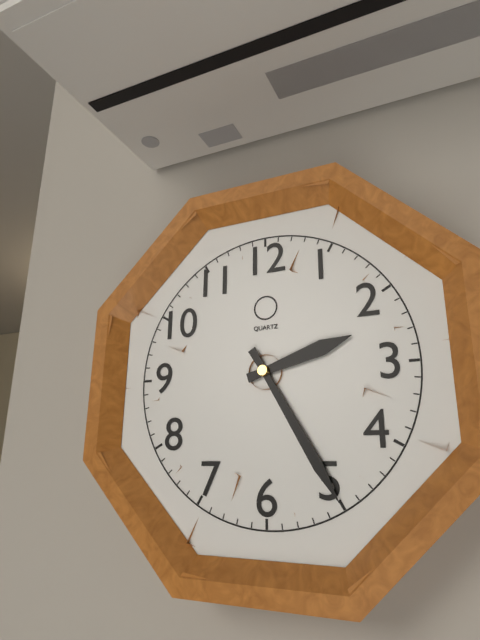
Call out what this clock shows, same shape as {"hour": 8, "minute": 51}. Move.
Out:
{"hour": 2, "minute": 25}
